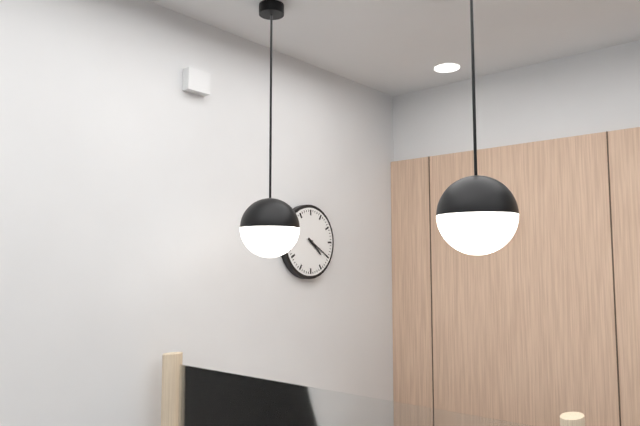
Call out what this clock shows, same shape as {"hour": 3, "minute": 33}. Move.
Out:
{"hour": 4, "minute": 20}
